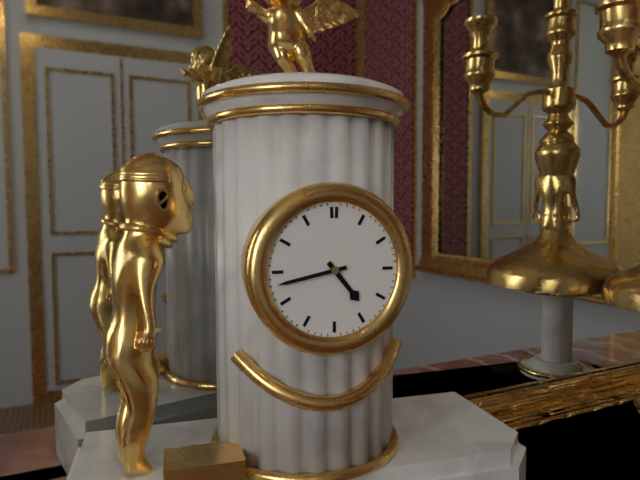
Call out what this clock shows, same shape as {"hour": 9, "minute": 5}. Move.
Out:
{"hour": 4, "minute": 43}
